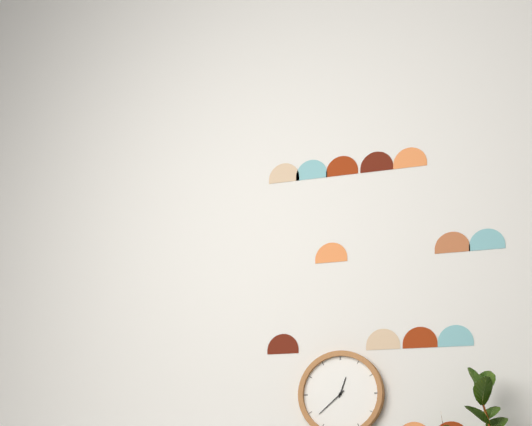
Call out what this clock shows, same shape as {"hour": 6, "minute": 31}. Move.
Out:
{"hour": 12, "minute": 38}
